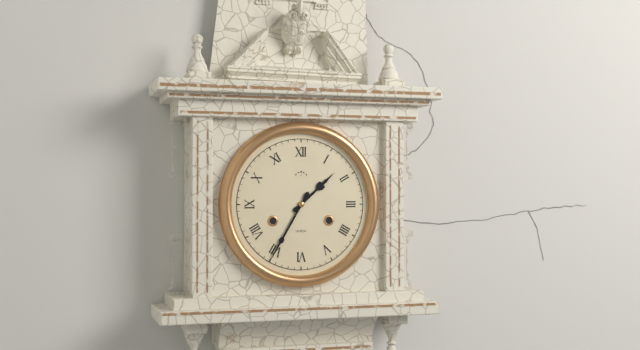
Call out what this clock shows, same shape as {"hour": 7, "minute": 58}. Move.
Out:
{"hour": 1, "minute": 35}
